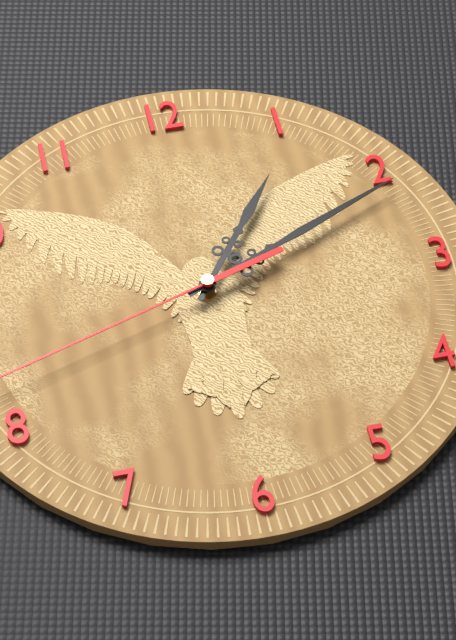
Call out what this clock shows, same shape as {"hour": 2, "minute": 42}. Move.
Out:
{"hour": 1, "minute": 11}
